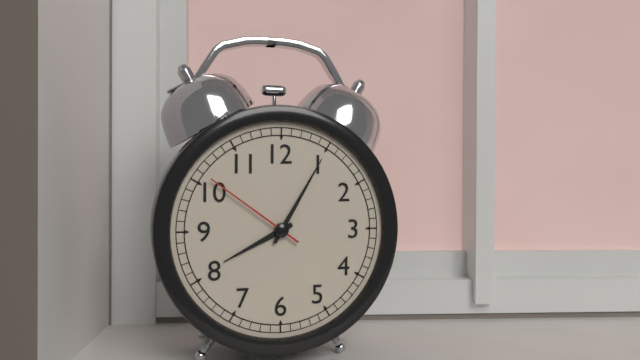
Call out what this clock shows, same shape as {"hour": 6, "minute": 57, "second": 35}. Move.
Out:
{"hour": 8, "minute": 5, "second": 51}
